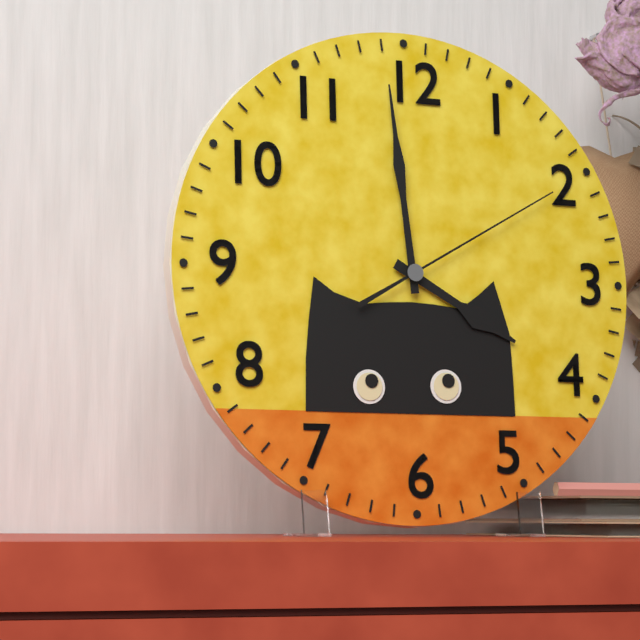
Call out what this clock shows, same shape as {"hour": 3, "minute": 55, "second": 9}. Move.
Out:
{"hour": 3, "minute": 59, "second": 10}
